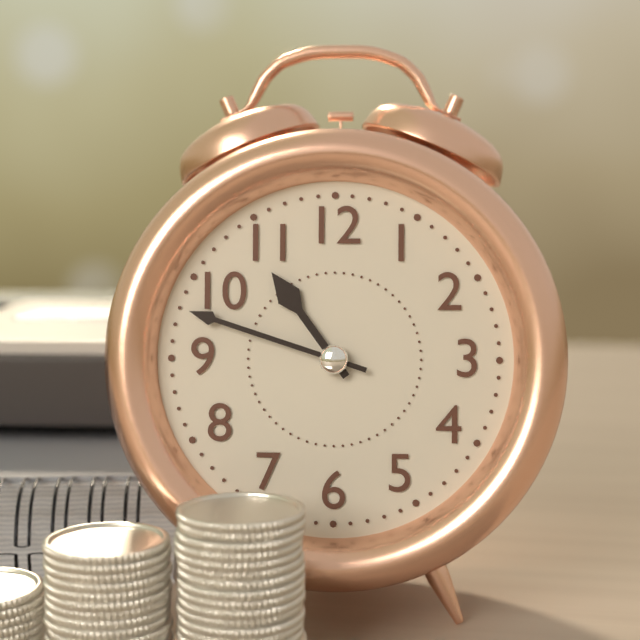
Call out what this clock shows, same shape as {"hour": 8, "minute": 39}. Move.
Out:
{"hour": 10, "minute": 48}
